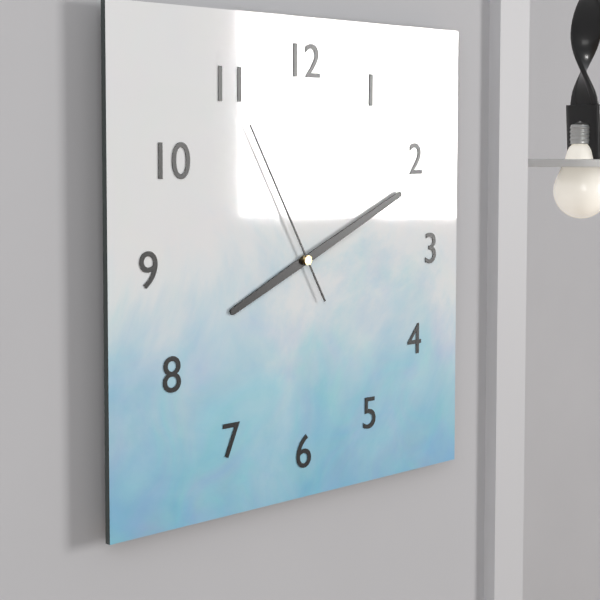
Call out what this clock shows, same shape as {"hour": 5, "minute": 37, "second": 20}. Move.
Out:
{"hour": 8, "minute": 11, "second": 55}
